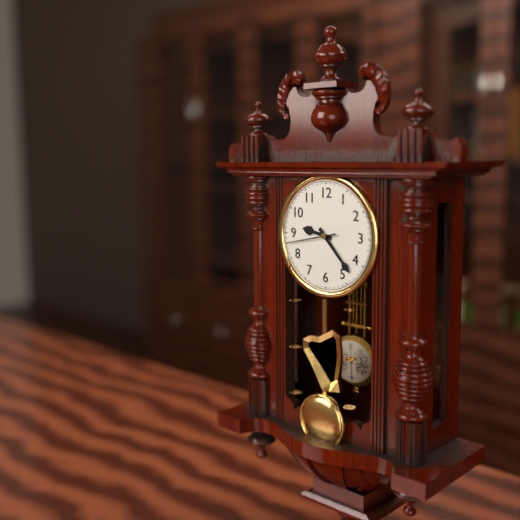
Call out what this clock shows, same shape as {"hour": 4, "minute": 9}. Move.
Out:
{"hour": 9, "minute": 23}
